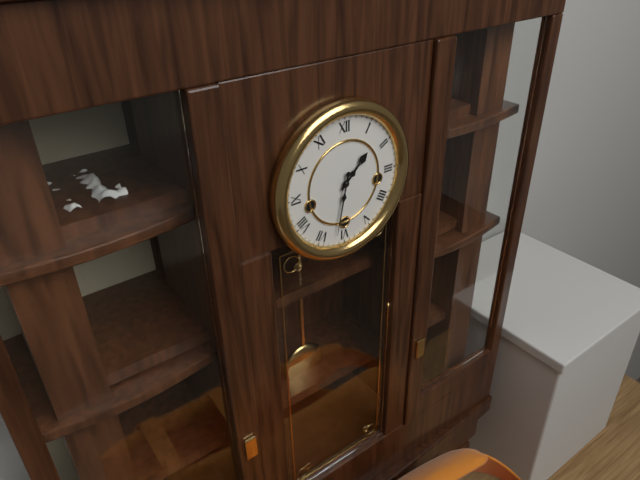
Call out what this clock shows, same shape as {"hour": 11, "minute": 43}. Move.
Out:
{"hour": 1, "minute": 32}
